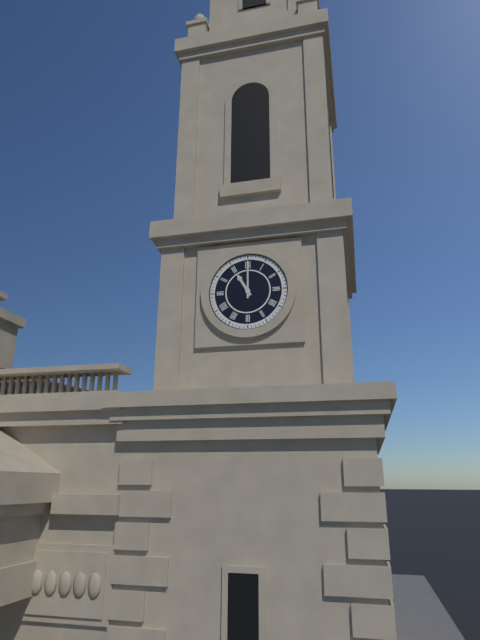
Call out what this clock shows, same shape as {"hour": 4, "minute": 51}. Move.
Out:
{"hour": 11, "minute": 0}
